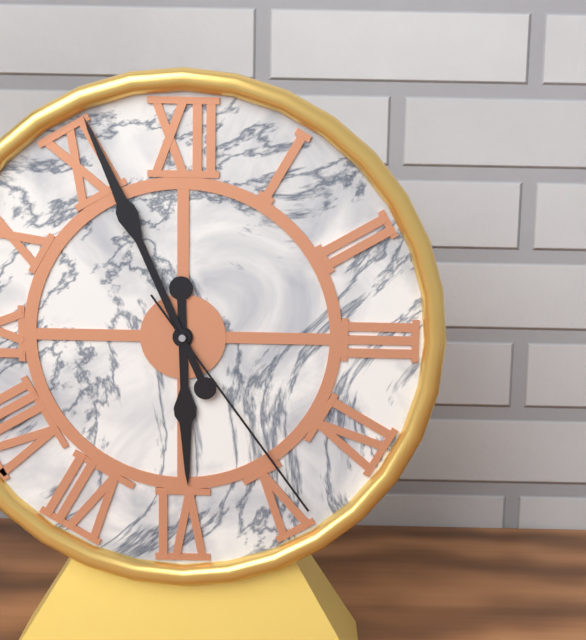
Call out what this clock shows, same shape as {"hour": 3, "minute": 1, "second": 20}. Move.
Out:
{"hour": 5, "minute": 56, "second": 24}
